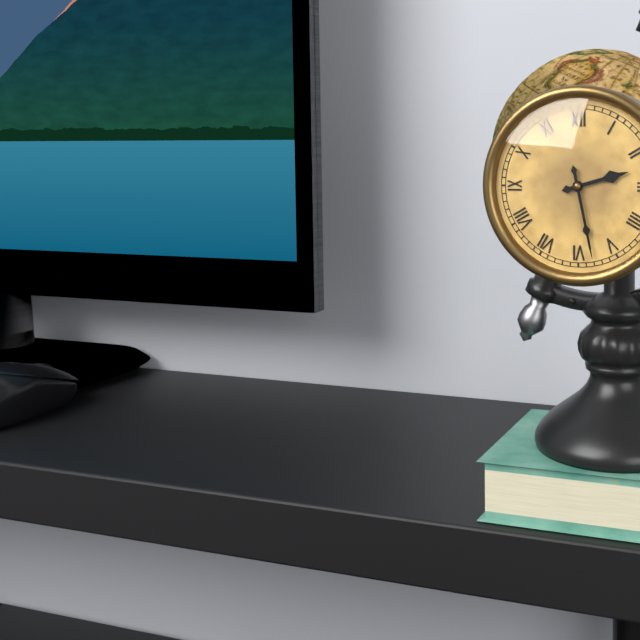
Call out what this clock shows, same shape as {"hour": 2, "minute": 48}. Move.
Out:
{"hour": 2, "minute": 28}
